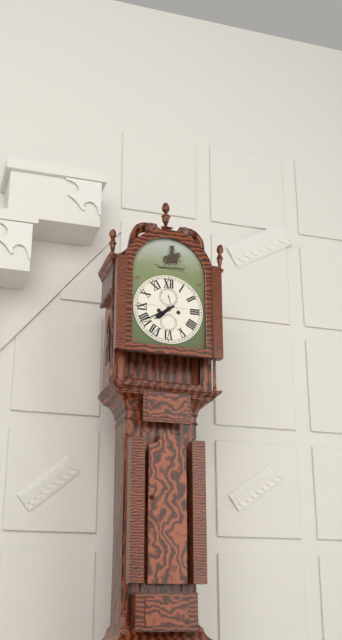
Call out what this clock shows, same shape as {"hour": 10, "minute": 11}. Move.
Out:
{"hour": 7, "minute": 40}
